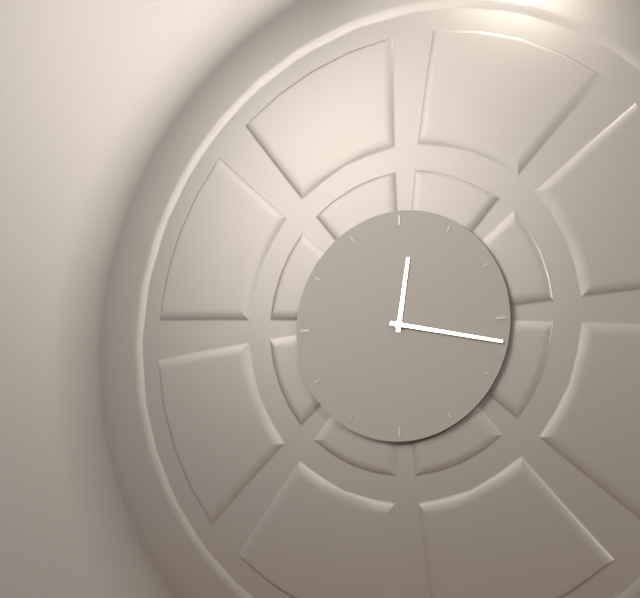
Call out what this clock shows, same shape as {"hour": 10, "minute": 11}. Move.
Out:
{"hour": 12, "minute": 17}
